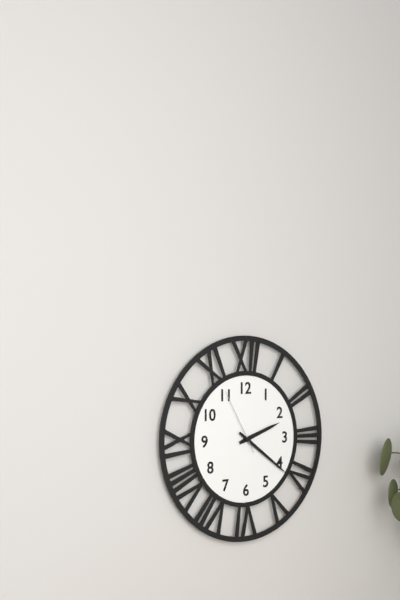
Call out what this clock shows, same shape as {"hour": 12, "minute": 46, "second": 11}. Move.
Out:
{"hour": 2, "minute": 21, "second": 55}
